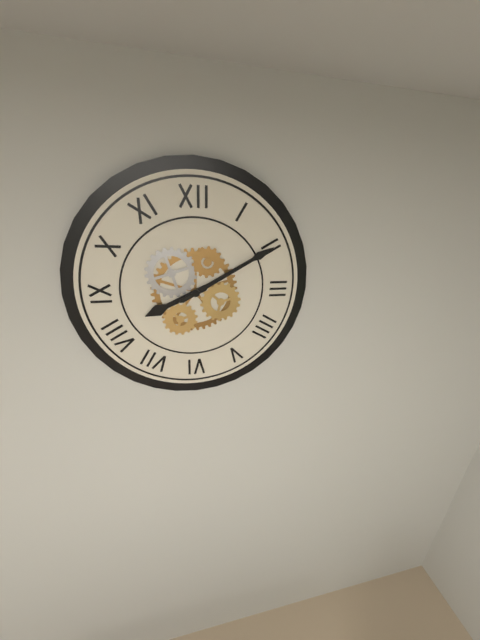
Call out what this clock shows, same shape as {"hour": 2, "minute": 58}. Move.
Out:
{"hour": 8, "minute": 10}
